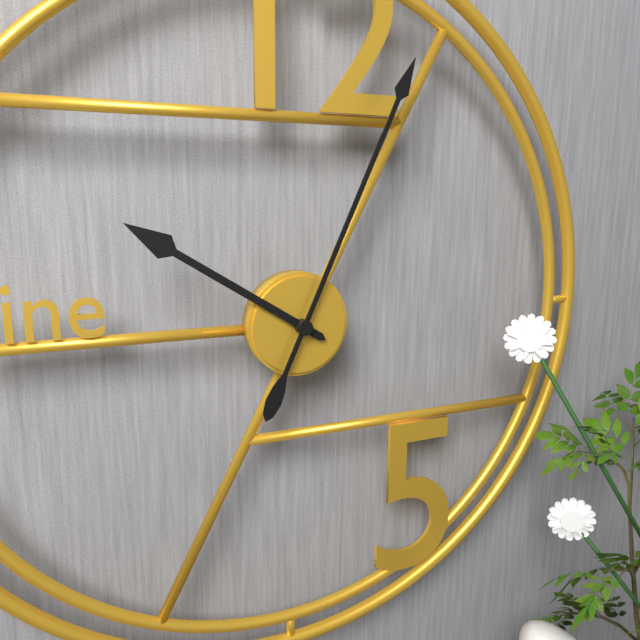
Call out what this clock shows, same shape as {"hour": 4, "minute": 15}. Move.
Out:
{"hour": 10, "minute": 4}
